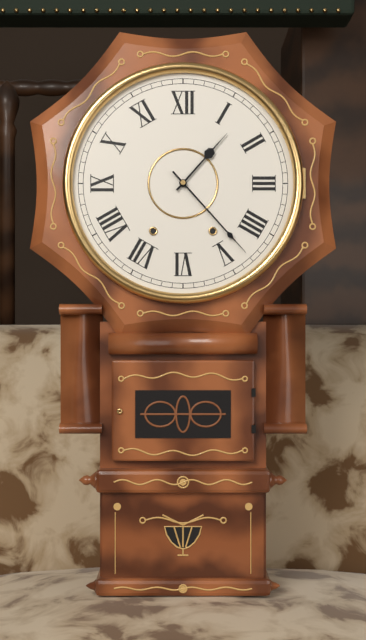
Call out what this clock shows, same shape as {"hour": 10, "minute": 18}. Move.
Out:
{"hour": 1, "minute": 23}
